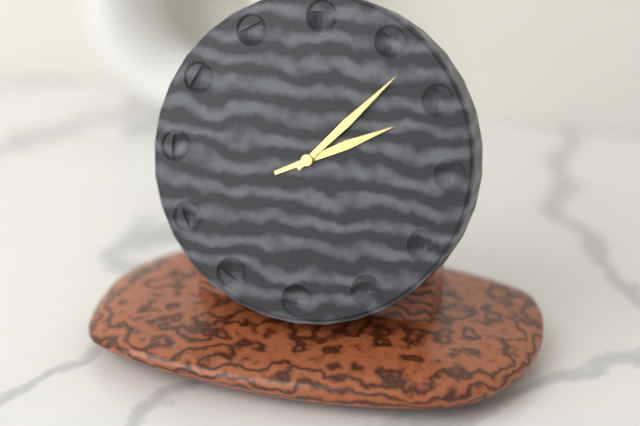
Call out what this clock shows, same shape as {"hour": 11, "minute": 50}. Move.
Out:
{"hour": 2, "minute": 7}
